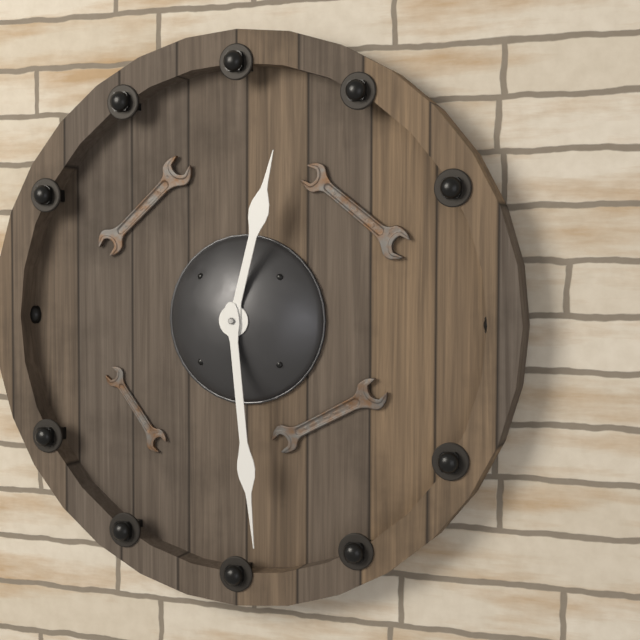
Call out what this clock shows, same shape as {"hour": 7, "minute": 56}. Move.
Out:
{"hour": 12, "minute": 29}
